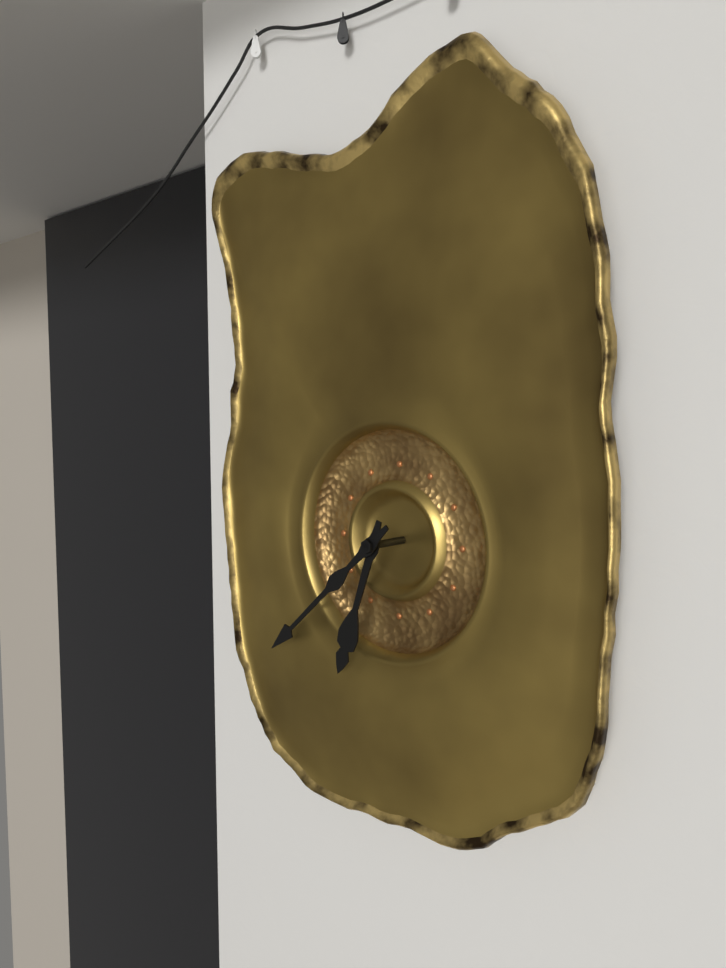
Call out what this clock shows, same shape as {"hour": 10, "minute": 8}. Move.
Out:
{"hour": 6, "minute": 38}
